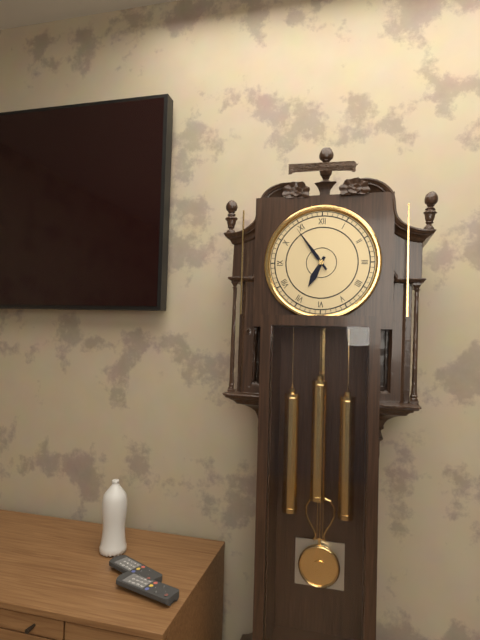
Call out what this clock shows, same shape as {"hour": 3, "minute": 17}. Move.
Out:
{"hour": 6, "minute": 54}
